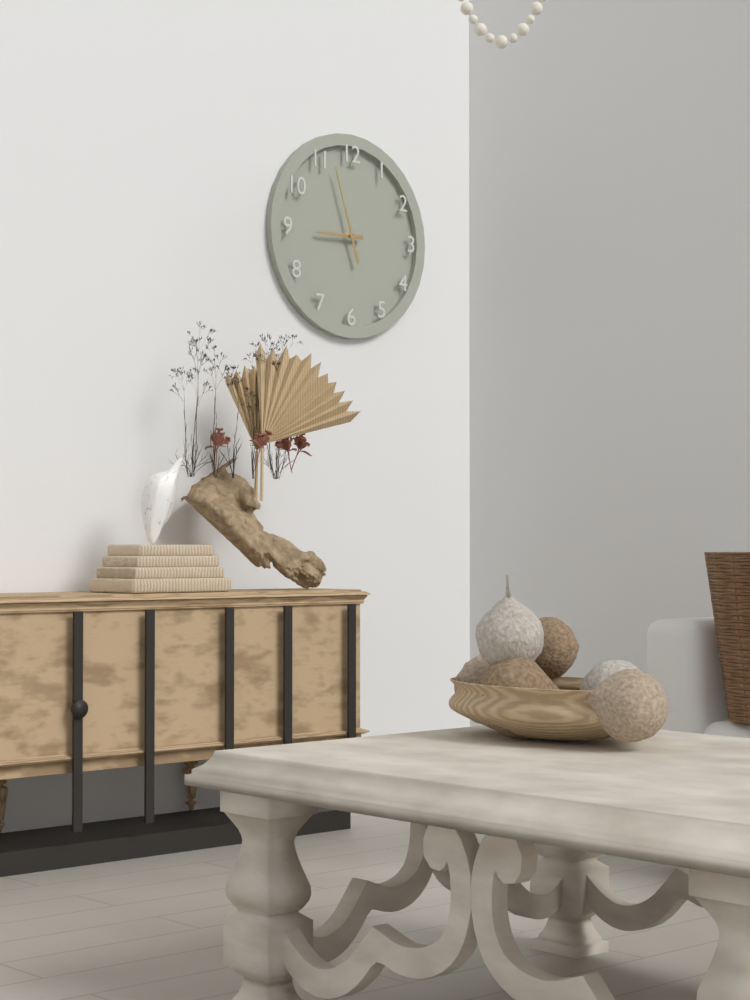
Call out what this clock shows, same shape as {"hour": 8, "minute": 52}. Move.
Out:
{"hour": 8, "minute": 57}
